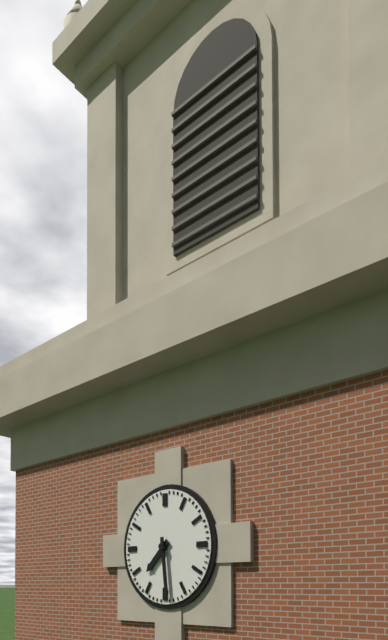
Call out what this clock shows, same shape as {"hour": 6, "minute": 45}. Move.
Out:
{"hour": 7, "minute": 29}
